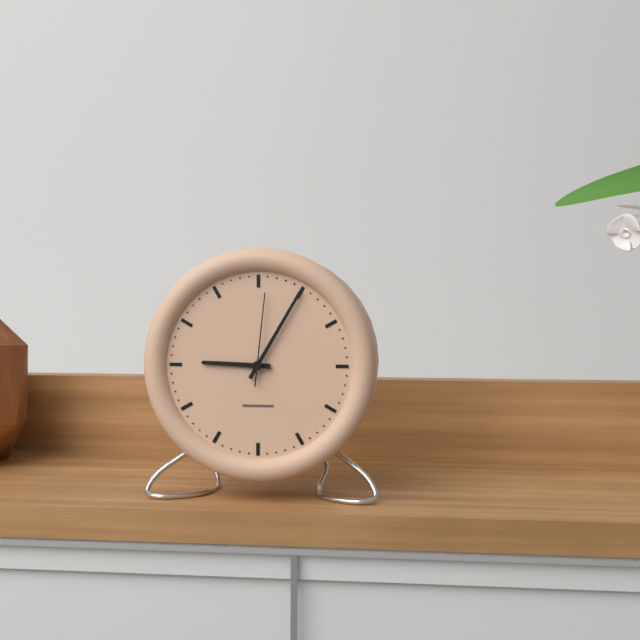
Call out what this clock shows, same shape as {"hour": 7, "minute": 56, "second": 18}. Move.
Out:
{"hour": 9, "minute": 5, "second": 1}
